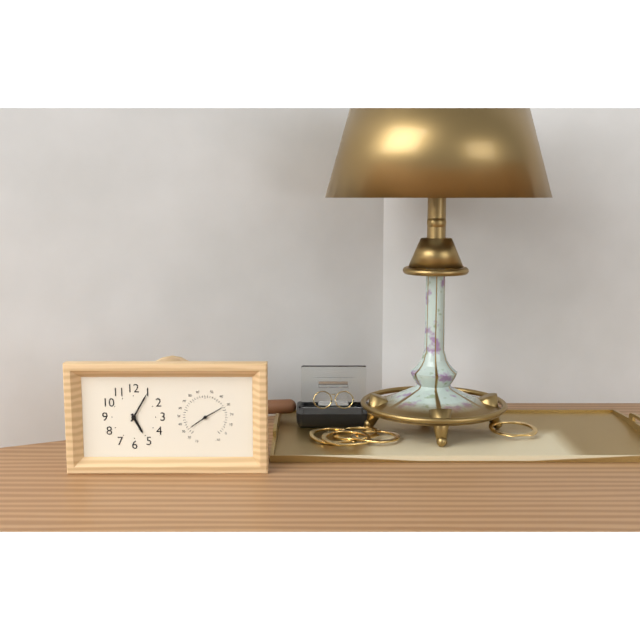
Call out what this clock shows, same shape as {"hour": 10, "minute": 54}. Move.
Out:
{"hour": 5, "minute": 5}
